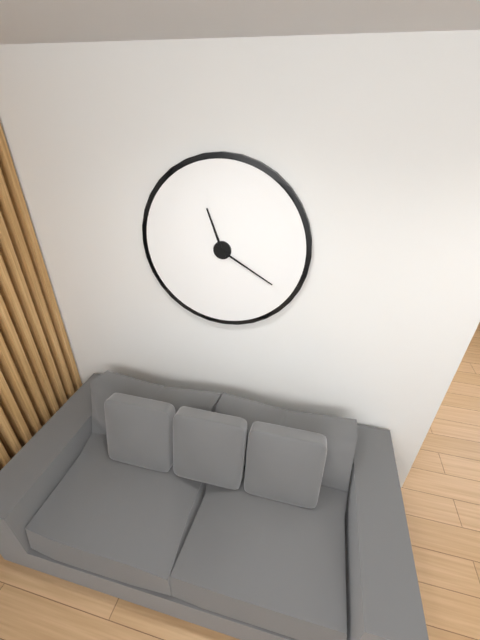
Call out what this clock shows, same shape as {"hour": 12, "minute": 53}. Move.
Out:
{"hour": 11, "minute": 20}
